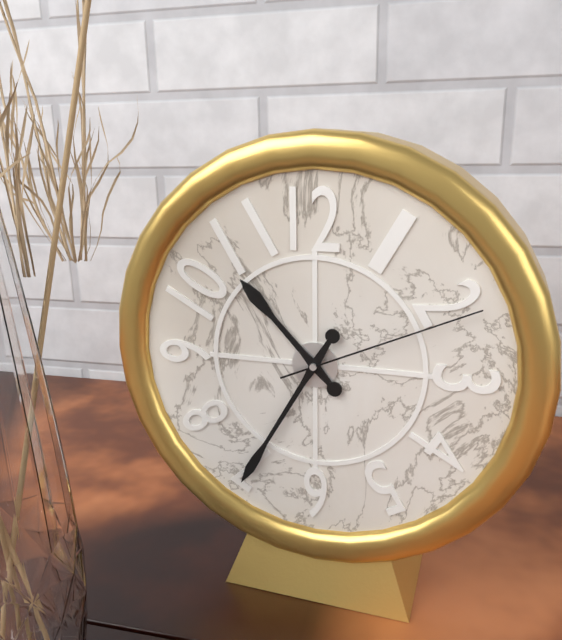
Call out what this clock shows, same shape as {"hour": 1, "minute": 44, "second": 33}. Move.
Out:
{"hour": 10, "minute": 35, "second": 11}
